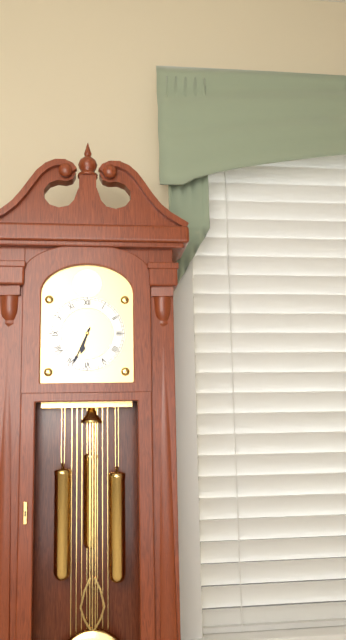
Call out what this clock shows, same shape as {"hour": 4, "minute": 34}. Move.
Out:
{"hour": 6, "minute": 34}
